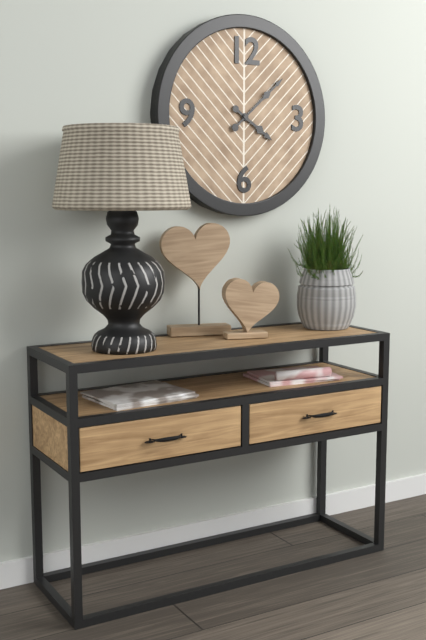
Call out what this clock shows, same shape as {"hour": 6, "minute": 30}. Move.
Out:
{"hour": 4, "minute": 8}
